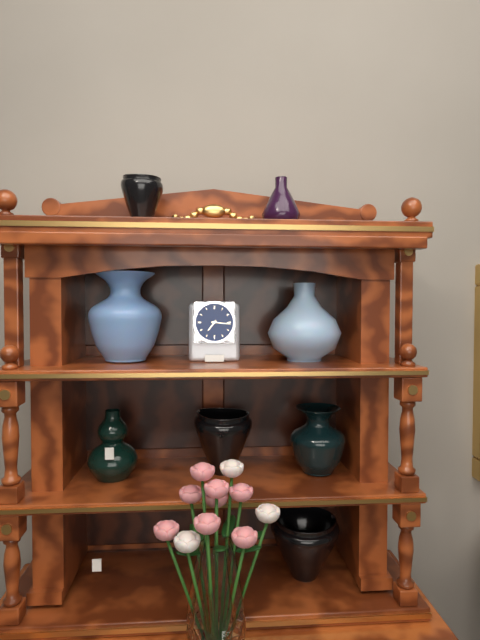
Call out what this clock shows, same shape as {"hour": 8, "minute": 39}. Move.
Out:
{"hour": 7, "minute": 16}
